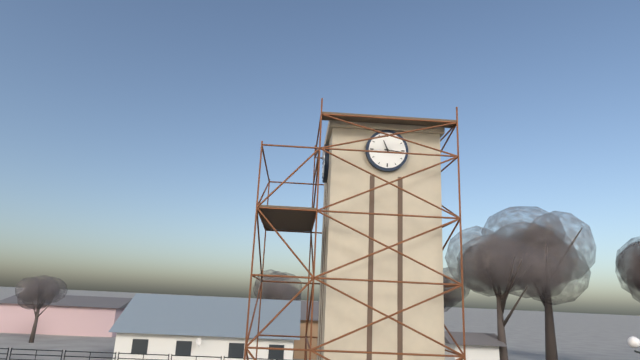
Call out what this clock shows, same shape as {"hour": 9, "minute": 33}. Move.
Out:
{"hour": 11, "minute": 16}
